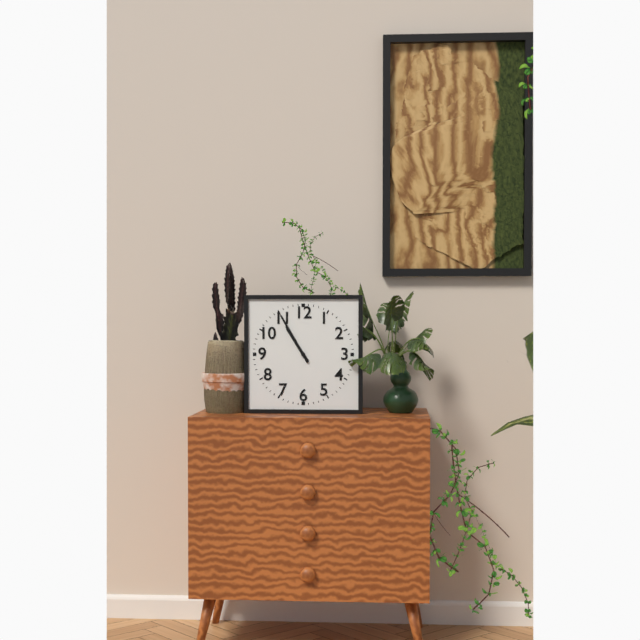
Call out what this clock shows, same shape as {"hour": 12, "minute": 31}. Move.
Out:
{"hour": 10, "minute": 55}
